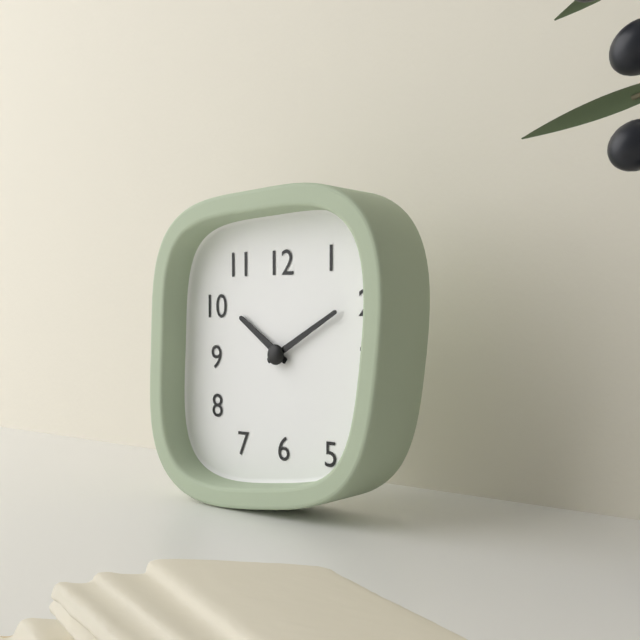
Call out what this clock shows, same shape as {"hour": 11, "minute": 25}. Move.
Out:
{"hour": 10, "minute": 10}
